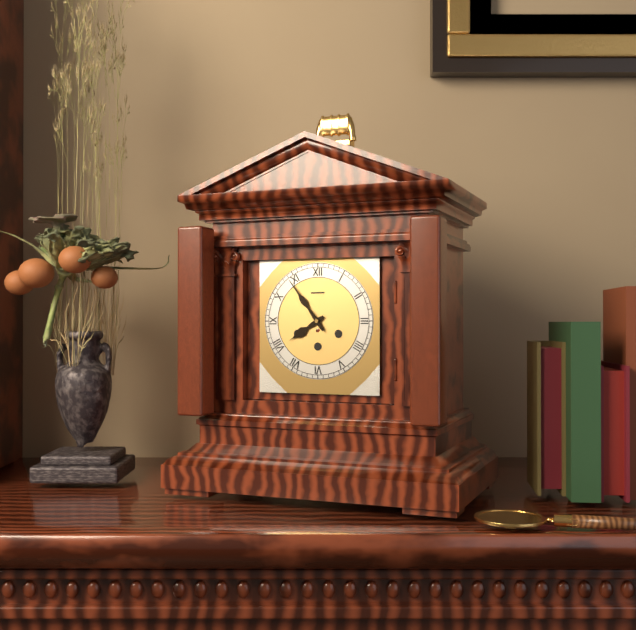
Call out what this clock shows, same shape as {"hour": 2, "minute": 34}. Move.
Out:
{"hour": 7, "minute": 54}
